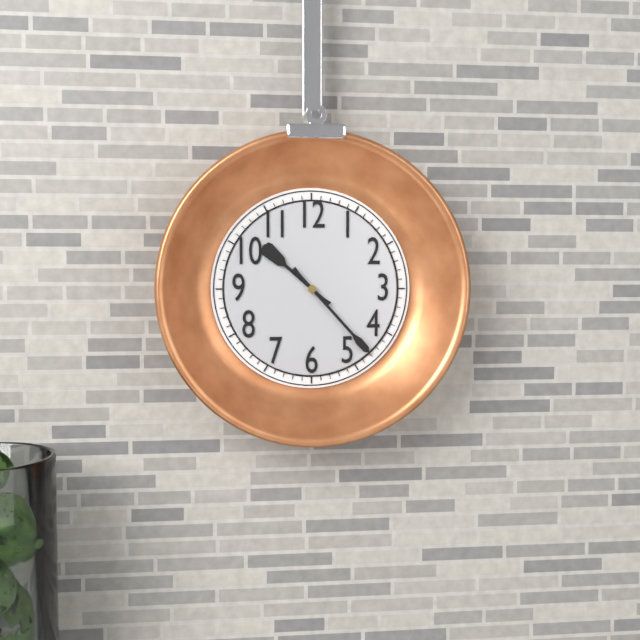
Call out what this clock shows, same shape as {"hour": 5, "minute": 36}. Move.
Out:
{"hour": 10, "minute": 23}
